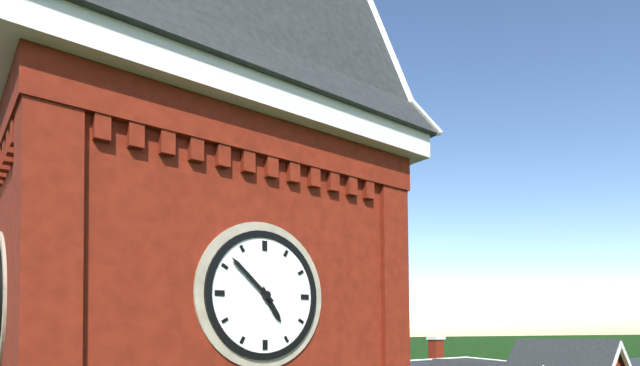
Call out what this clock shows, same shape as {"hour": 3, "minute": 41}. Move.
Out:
{"hour": 4, "minute": 52}
